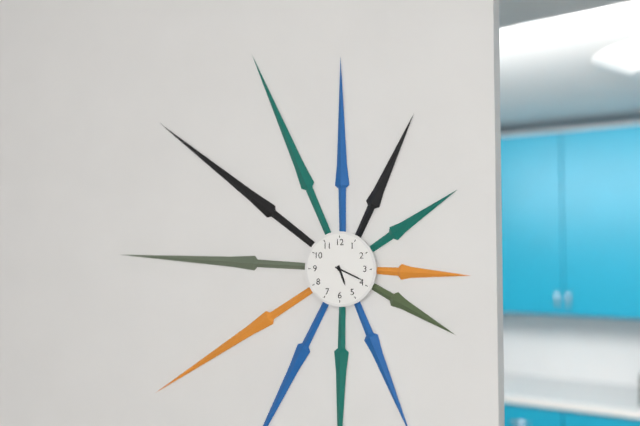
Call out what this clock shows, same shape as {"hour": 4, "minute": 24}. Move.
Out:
{"hour": 5, "minute": 19}
